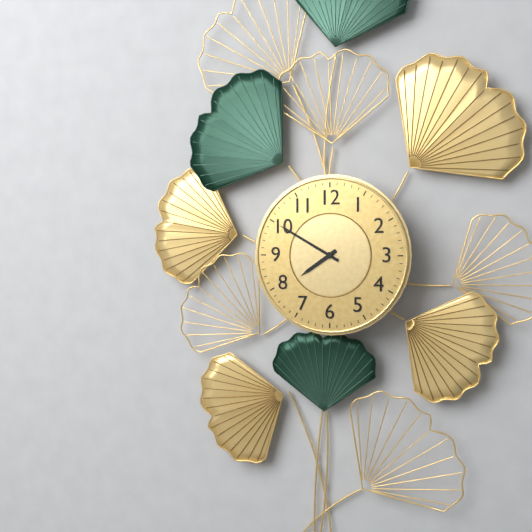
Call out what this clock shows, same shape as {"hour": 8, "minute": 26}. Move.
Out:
{"hour": 7, "minute": 50}
